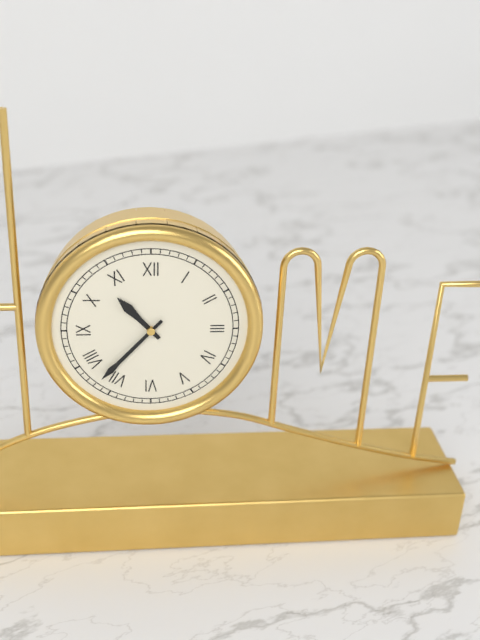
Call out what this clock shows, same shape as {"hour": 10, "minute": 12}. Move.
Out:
{"hour": 10, "minute": 37}
